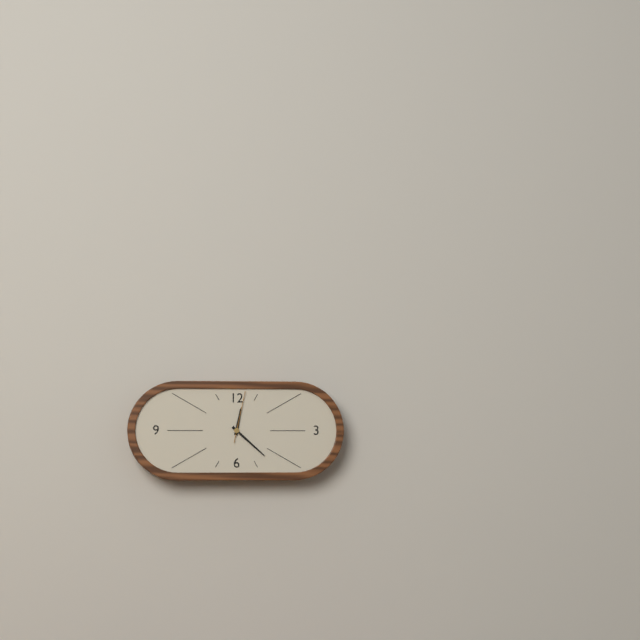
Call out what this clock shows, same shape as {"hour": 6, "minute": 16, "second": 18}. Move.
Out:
{"hour": 12, "minute": 22, "second": 2}
